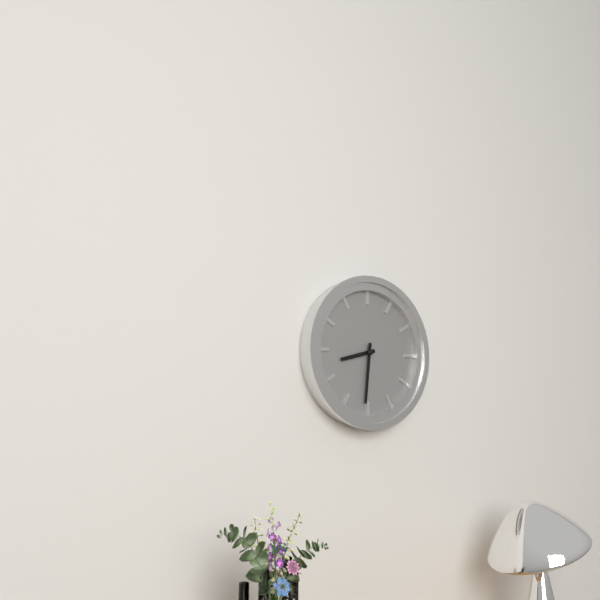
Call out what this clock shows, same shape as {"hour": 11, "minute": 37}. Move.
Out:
{"hour": 8, "minute": 31}
